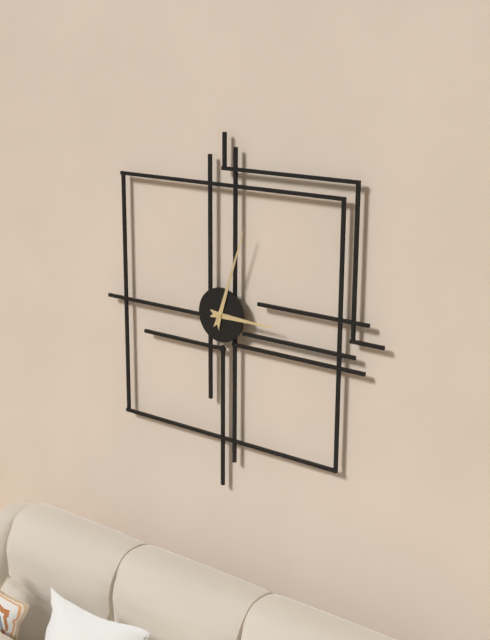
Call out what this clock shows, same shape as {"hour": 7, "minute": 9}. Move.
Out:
{"hour": 3, "minute": 3}
